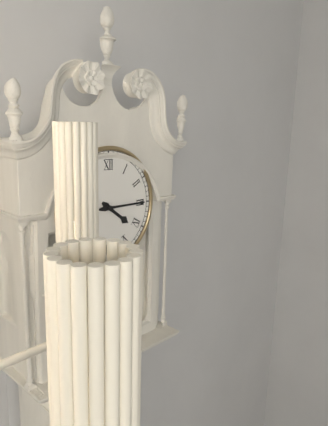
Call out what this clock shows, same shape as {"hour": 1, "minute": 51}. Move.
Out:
{"hour": 4, "minute": 15}
